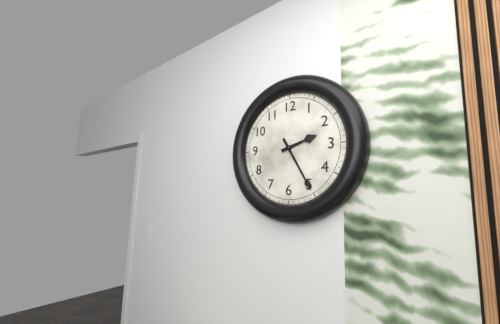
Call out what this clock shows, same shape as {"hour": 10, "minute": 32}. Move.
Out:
{"hour": 2, "minute": 25}
